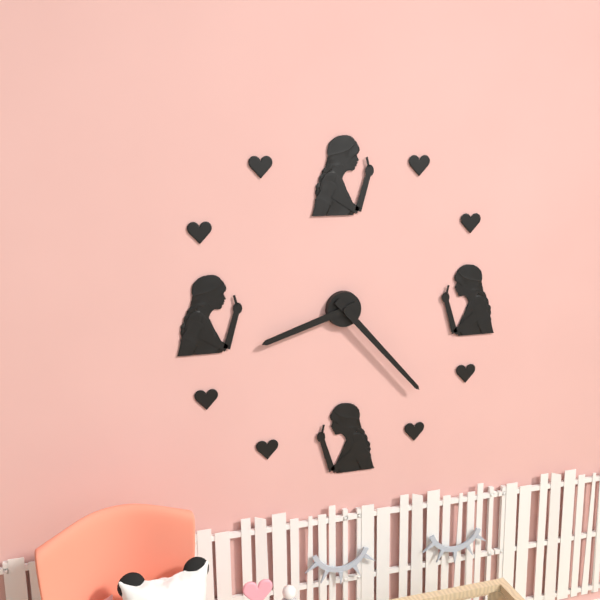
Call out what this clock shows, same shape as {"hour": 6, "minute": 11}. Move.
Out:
{"hour": 8, "minute": 23}
